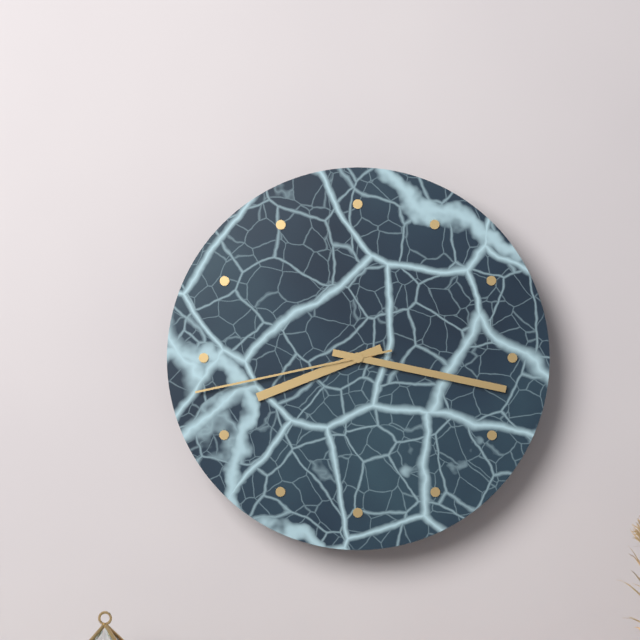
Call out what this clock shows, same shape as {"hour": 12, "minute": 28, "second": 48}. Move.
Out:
{"hour": 8, "minute": 17, "second": 43}
